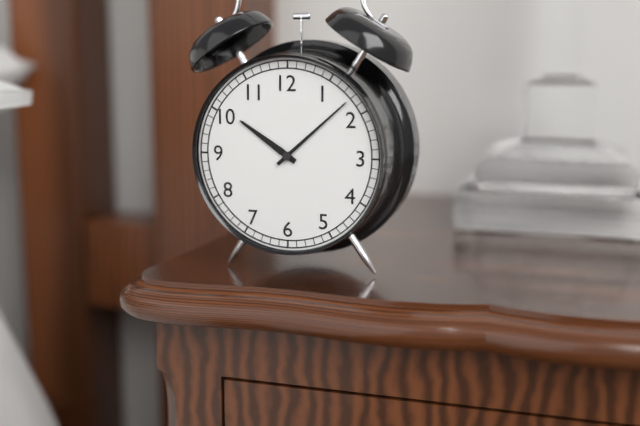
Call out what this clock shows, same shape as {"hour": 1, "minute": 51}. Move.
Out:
{"hour": 10, "minute": 8}
